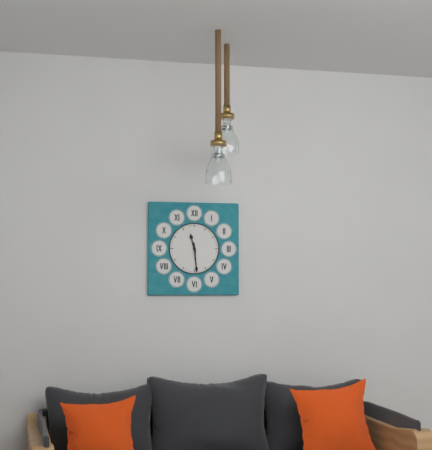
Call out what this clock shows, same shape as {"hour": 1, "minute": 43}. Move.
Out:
{"hour": 11, "minute": 29}
